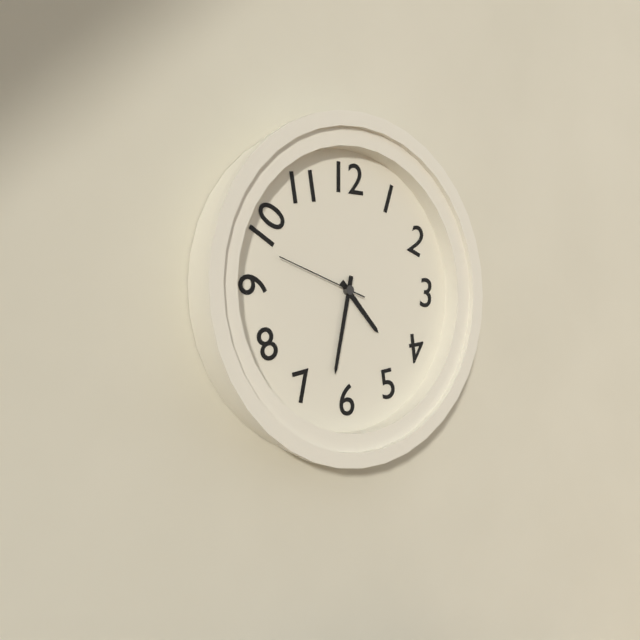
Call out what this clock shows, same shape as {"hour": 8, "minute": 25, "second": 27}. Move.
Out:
{"hour": 4, "minute": 32, "second": 48}
